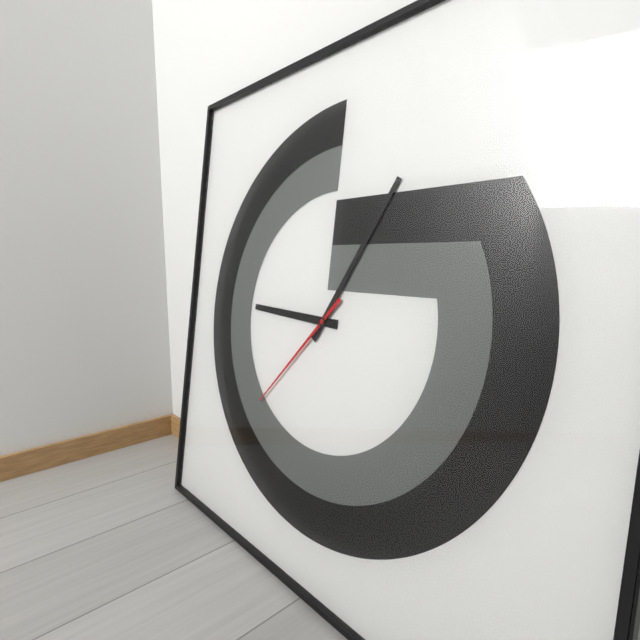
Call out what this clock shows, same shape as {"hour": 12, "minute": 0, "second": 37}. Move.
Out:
{"hour": 9, "minute": 5, "second": 37}
